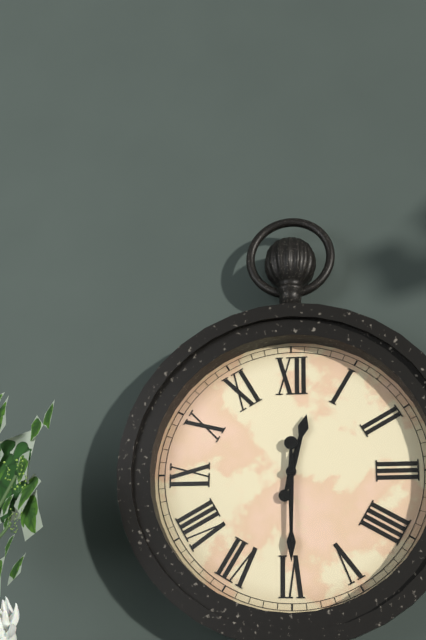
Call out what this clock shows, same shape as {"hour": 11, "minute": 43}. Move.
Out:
{"hour": 12, "minute": 30}
